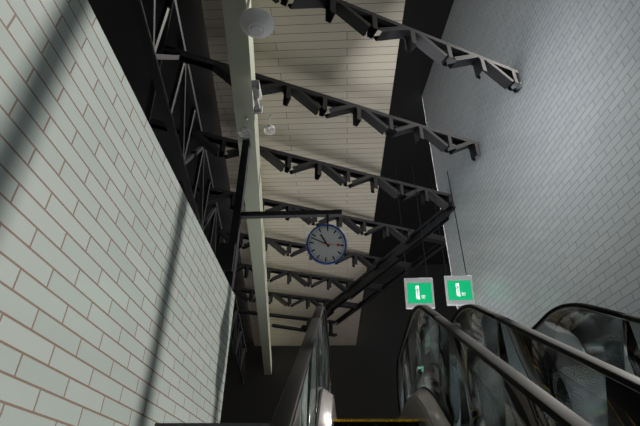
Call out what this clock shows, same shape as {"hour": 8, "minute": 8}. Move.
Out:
{"hour": 10, "minute": 48}
